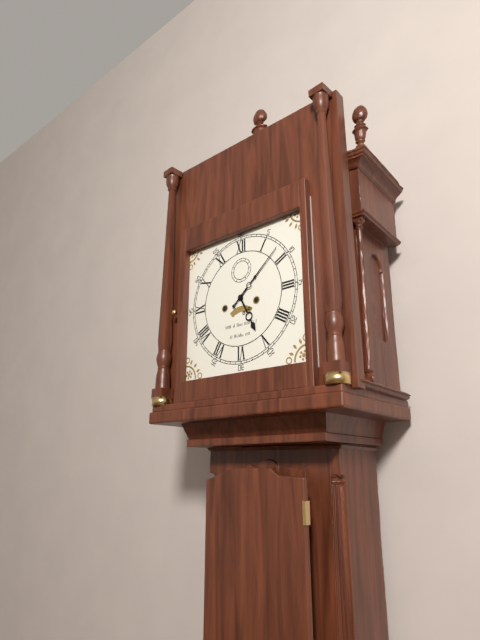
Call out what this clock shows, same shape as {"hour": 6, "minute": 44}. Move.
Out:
{"hour": 5, "minute": 8}
